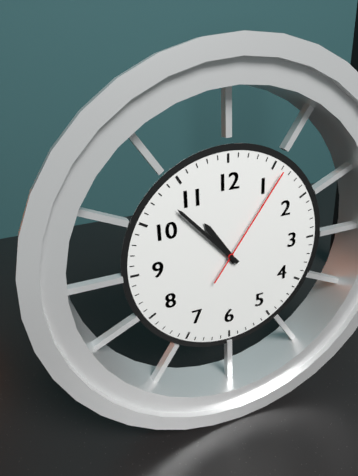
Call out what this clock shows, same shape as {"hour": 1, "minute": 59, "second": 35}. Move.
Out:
{"hour": 10, "minute": 53, "second": 6}
